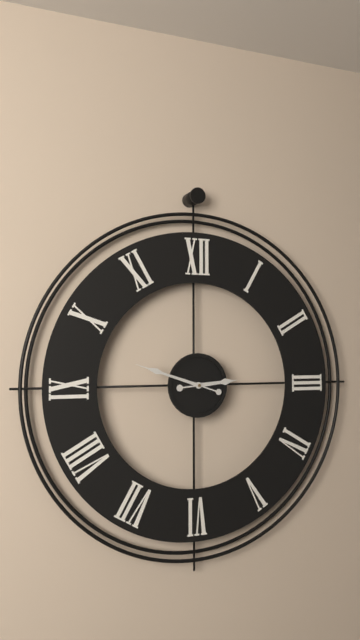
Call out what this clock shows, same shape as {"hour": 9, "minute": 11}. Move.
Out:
{"hour": 2, "minute": 48}
